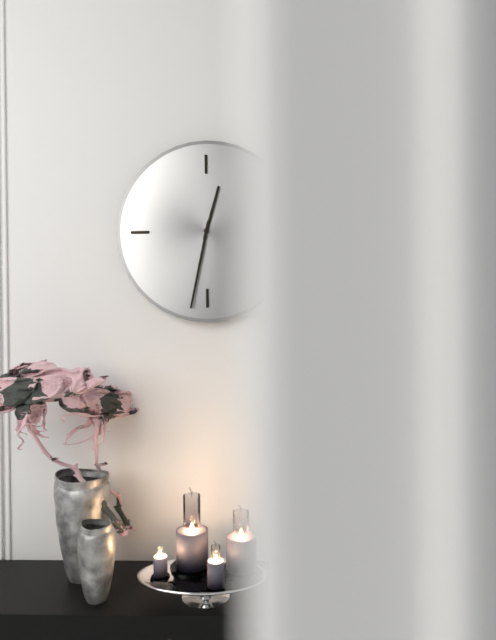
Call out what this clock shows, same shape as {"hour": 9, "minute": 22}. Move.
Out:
{"hour": 12, "minute": 32}
